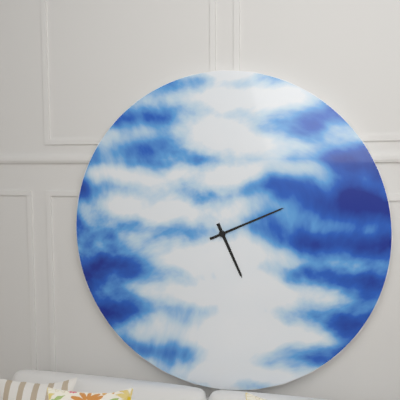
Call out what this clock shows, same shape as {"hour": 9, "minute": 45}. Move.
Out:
{"hour": 5, "minute": 11}
